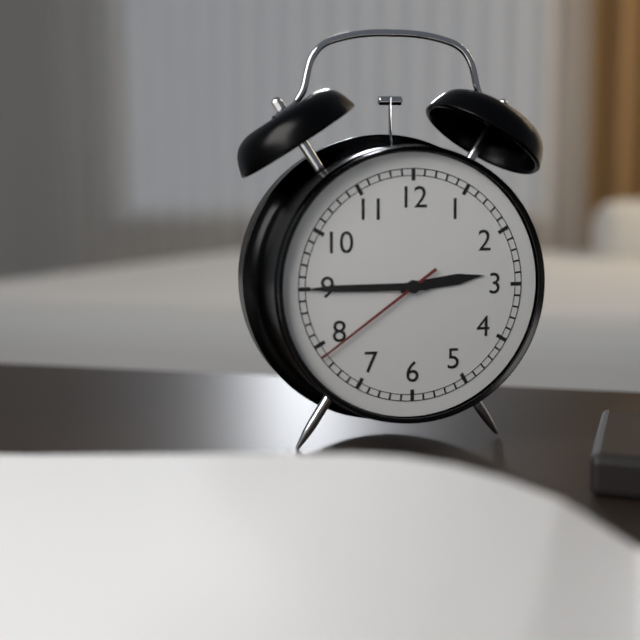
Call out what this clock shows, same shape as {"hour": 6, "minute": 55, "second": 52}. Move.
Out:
{"hour": 2, "minute": 45, "second": 39}
